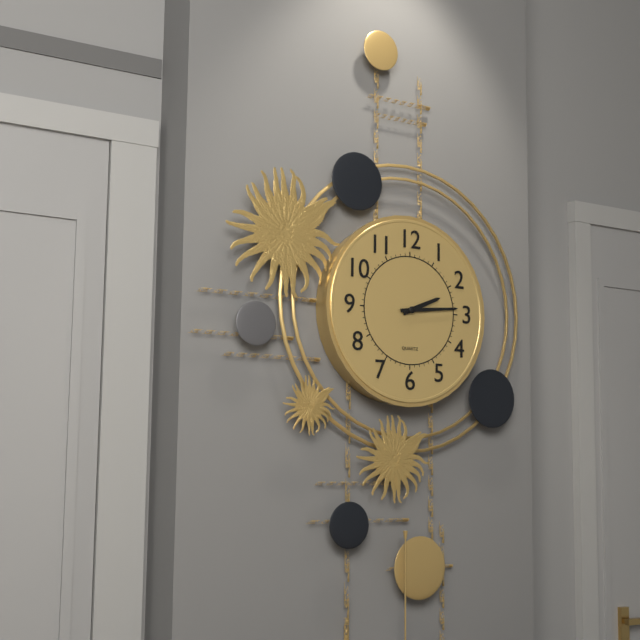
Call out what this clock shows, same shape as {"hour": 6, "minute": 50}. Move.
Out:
{"hour": 2, "minute": 14}
